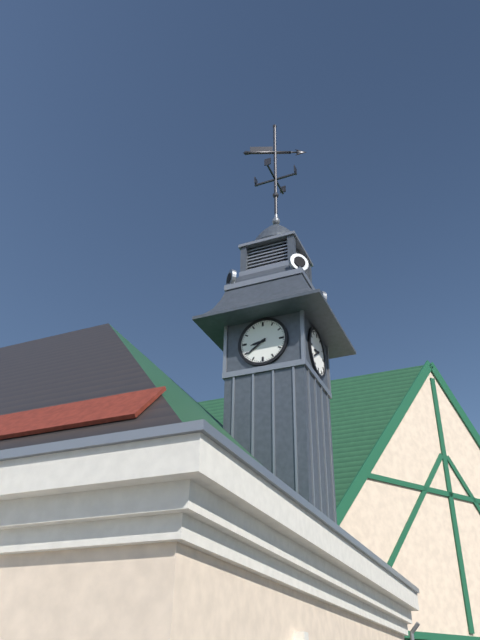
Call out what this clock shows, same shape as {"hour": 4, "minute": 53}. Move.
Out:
{"hour": 8, "minute": 39}
